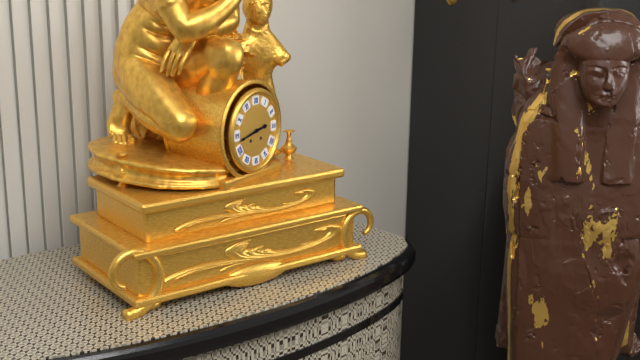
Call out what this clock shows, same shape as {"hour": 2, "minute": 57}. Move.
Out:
{"hour": 2, "minute": 43}
